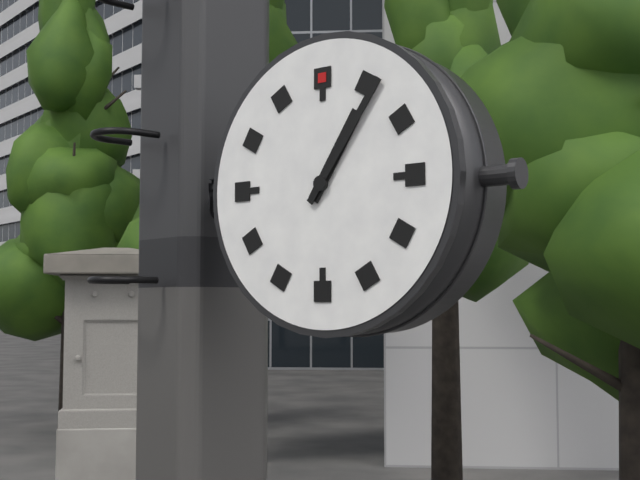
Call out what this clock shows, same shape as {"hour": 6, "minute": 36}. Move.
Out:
{"hour": 1, "minute": 6}
